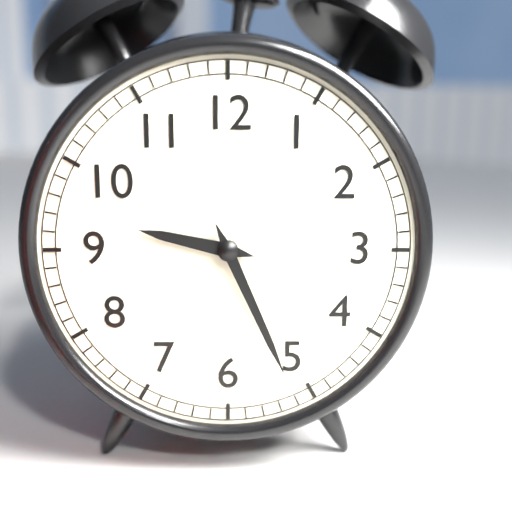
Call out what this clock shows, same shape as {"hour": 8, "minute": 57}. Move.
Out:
{"hour": 9, "minute": 26}
